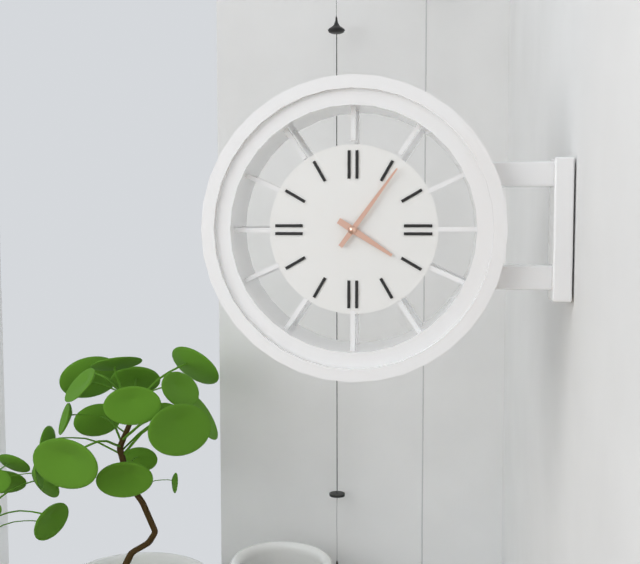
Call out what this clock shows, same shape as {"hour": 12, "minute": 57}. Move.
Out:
{"hour": 4, "minute": 6}
